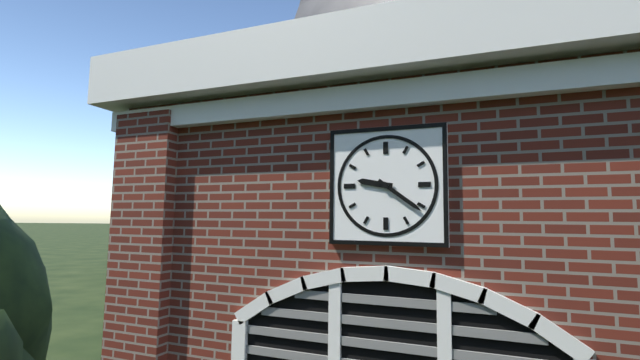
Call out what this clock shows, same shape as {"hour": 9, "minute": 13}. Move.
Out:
{"hour": 9, "minute": 21}
